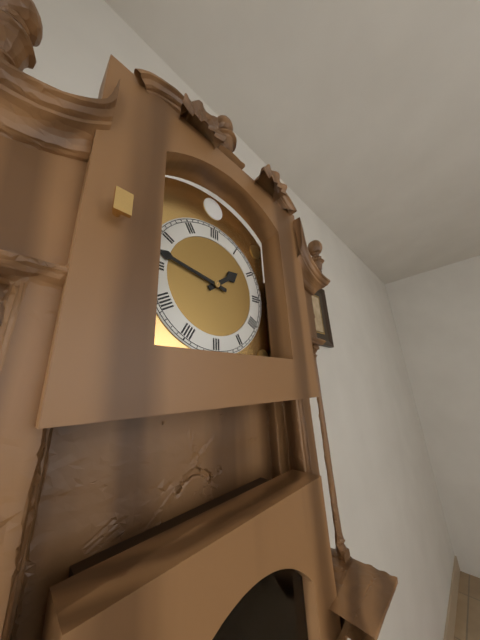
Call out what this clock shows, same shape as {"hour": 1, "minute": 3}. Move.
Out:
{"hour": 1, "minute": 47}
